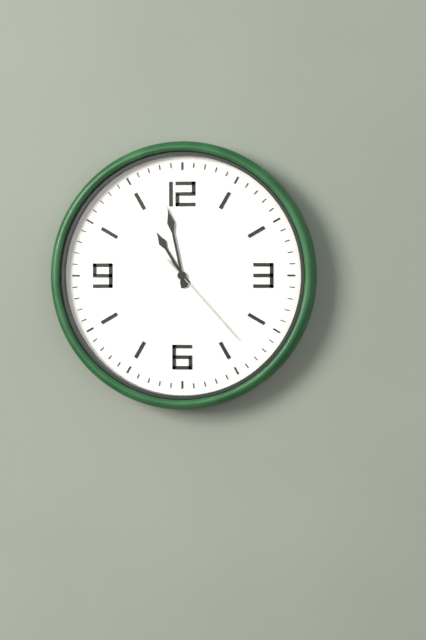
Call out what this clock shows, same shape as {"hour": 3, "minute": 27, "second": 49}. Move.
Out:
{"hour": 10, "minute": 58, "second": 23}
